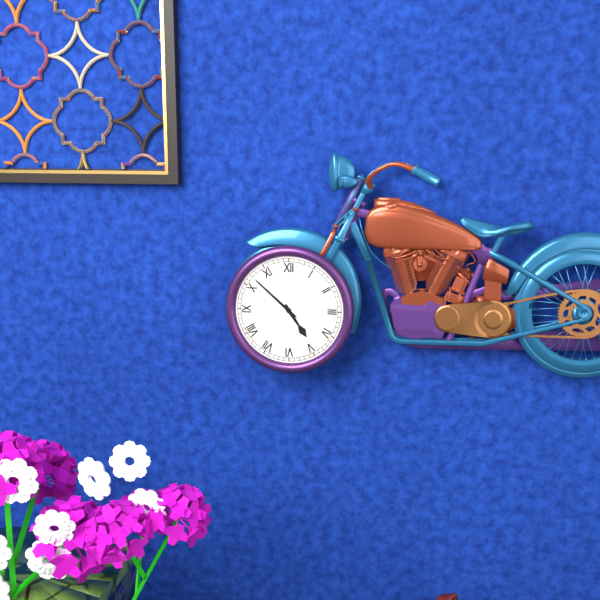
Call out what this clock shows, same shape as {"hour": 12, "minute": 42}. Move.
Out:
{"hour": 4, "minute": 52}
